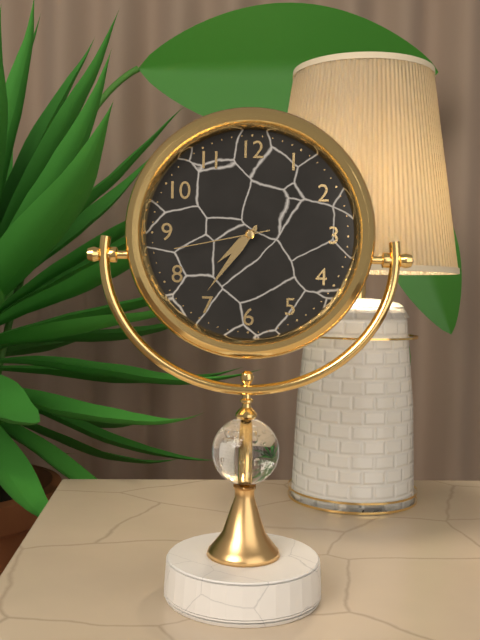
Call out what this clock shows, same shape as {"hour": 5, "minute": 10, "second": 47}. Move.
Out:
{"hour": 7, "minute": 36, "second": 43}
